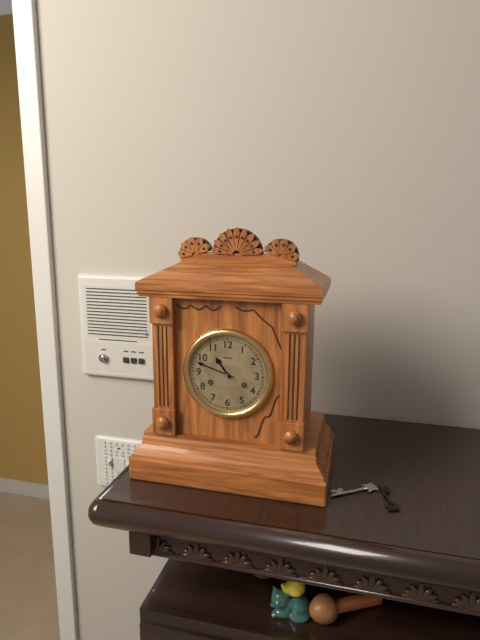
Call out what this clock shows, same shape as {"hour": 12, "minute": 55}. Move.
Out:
{"hour": 10, "minute": 48}
